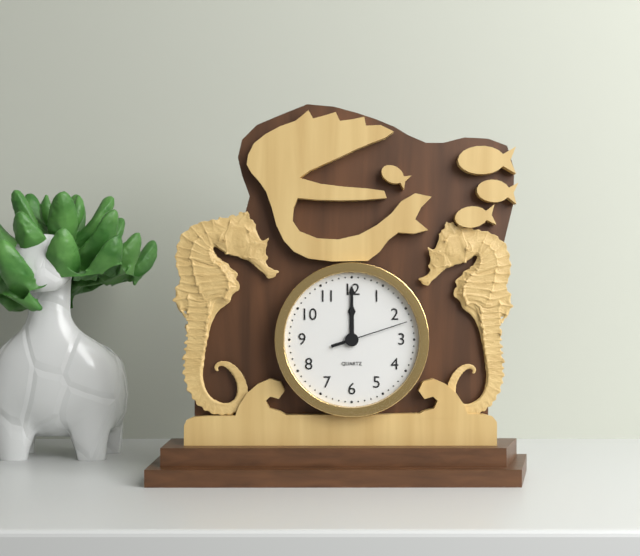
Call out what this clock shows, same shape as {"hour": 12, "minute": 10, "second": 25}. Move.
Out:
{"hour": 12, "minute": 0, "second": 12}
